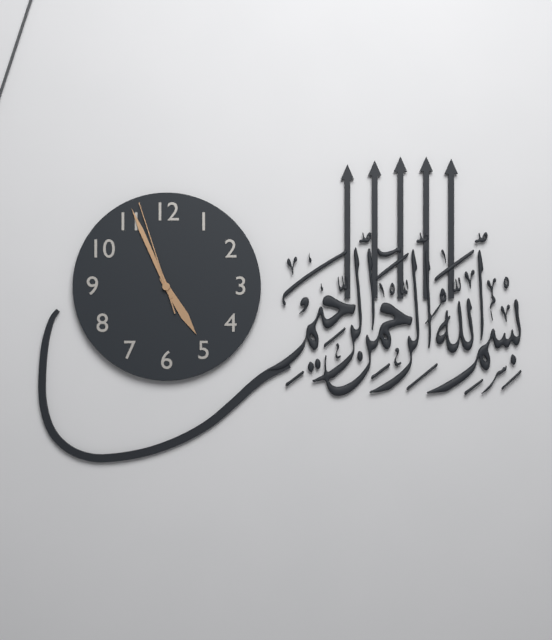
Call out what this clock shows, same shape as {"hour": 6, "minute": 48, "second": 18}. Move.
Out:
{"hour": 4, "minute": 56, "second": 57}
